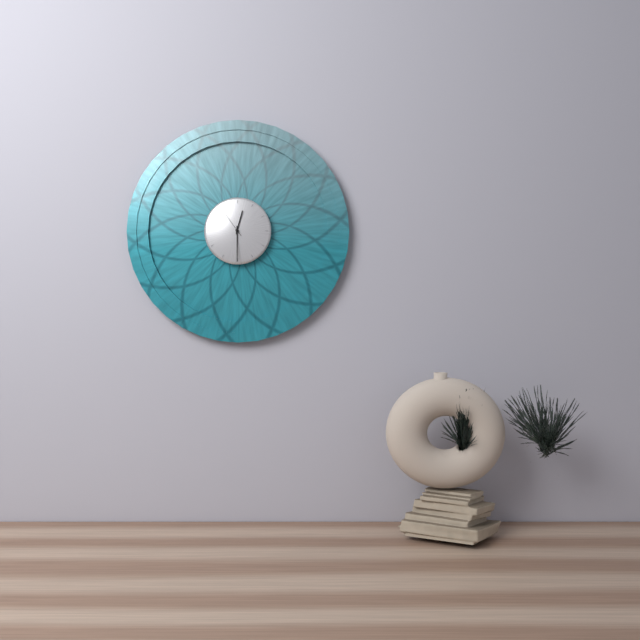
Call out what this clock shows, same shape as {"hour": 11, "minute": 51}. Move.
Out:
{"hour": 12, "minute": 30}
